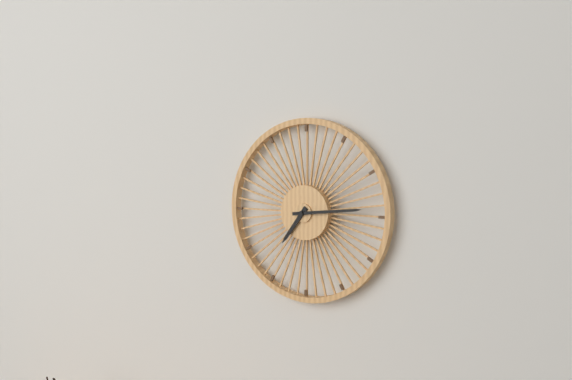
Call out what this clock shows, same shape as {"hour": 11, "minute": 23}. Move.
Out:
{"hour": 7, "minute": 14}
